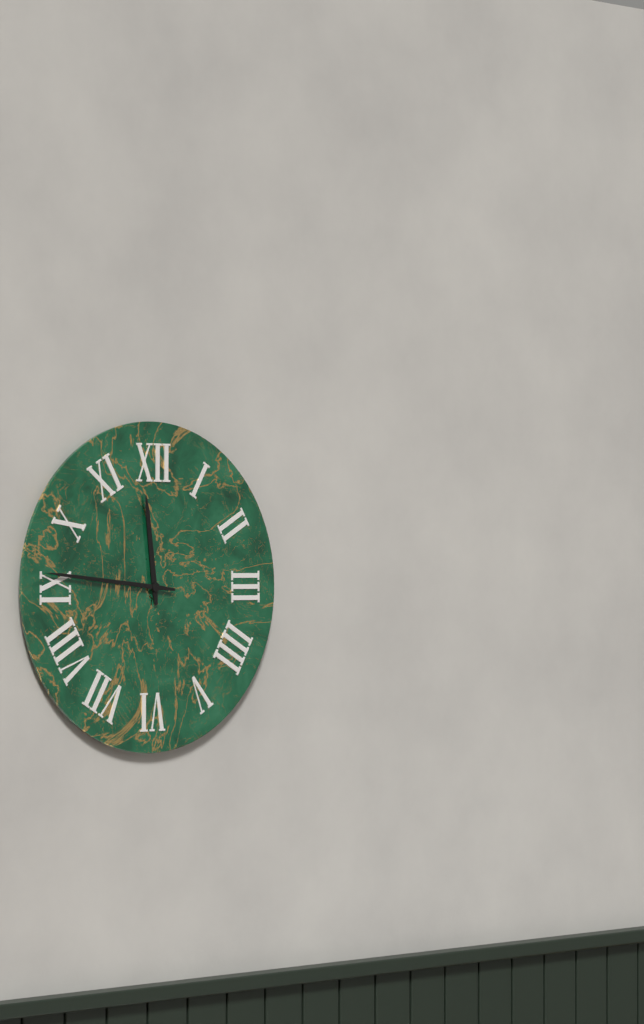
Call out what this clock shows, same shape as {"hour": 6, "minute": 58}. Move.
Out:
{"hour": 11, "minute": 46}
